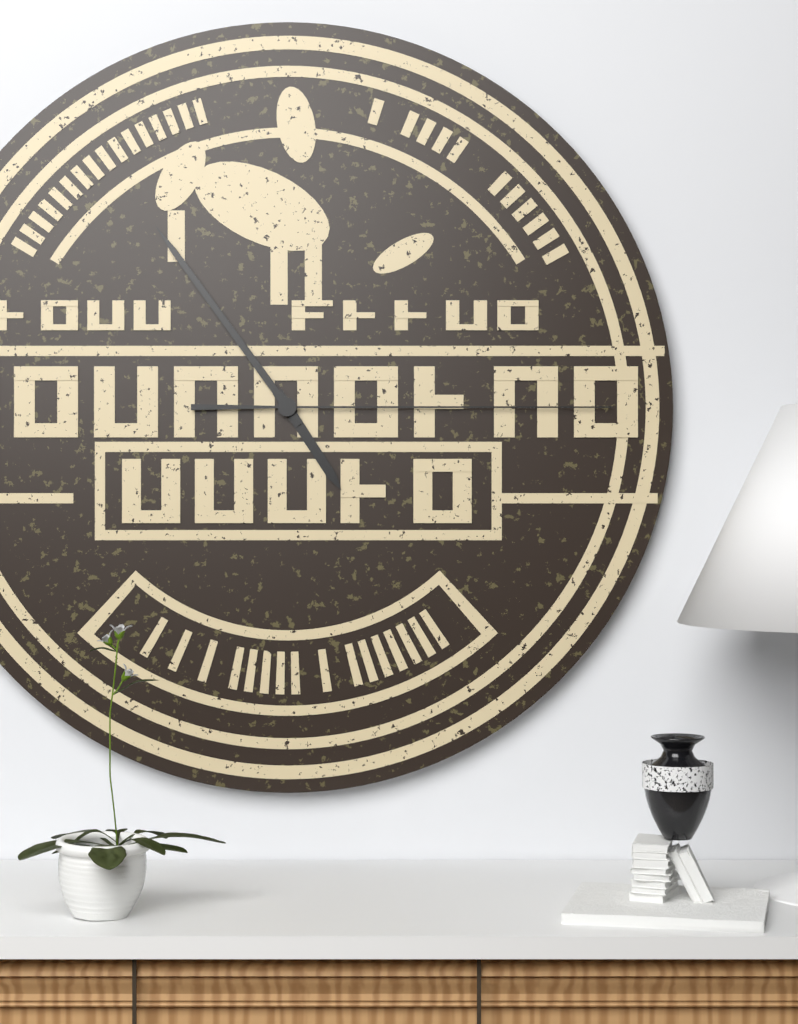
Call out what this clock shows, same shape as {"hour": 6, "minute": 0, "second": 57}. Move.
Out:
{"hour": 4, "minute": 54, "second": 15}
